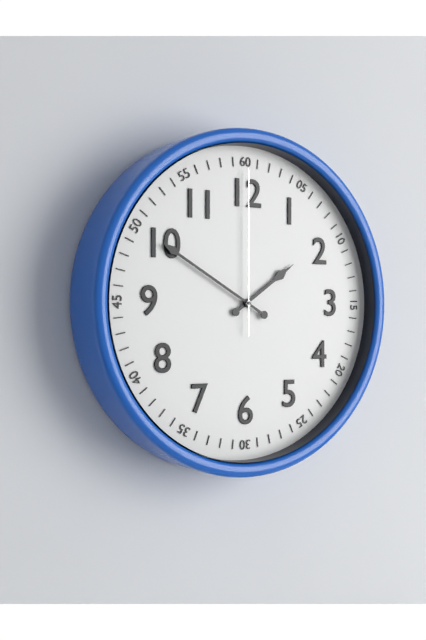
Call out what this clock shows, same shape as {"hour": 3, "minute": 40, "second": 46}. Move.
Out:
{"hour": 1, "minute": 50, "second": 0}
